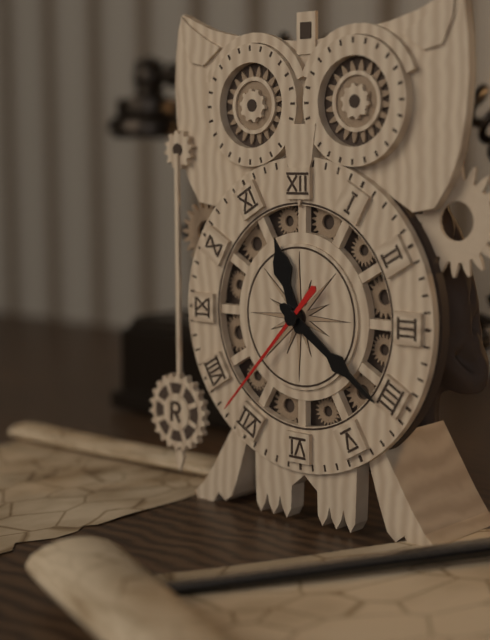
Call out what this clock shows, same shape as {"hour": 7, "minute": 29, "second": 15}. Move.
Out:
{"hour": 11, "minute": 21, "second": 37}
